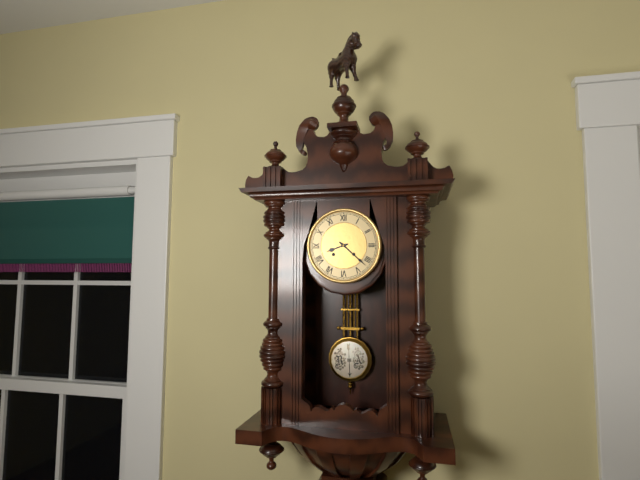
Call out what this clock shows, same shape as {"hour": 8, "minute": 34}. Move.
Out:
{"hour": 8, "minute": 22}
